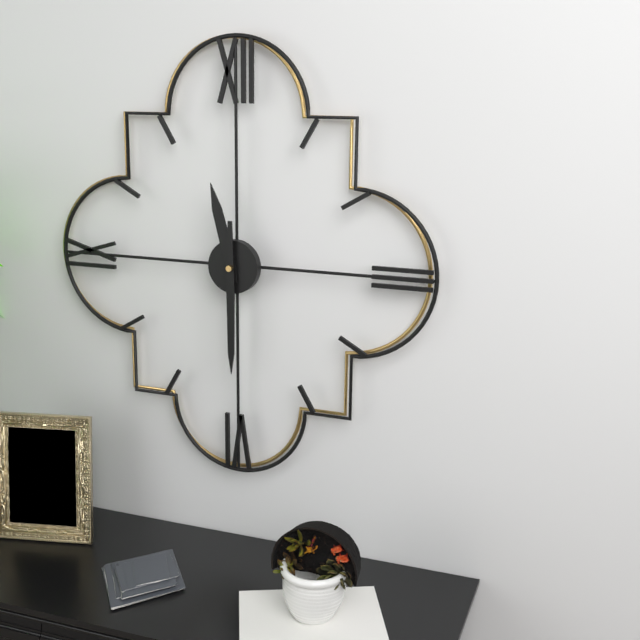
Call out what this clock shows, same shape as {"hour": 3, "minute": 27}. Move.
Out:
{"hour": 11, "minute": 30}
